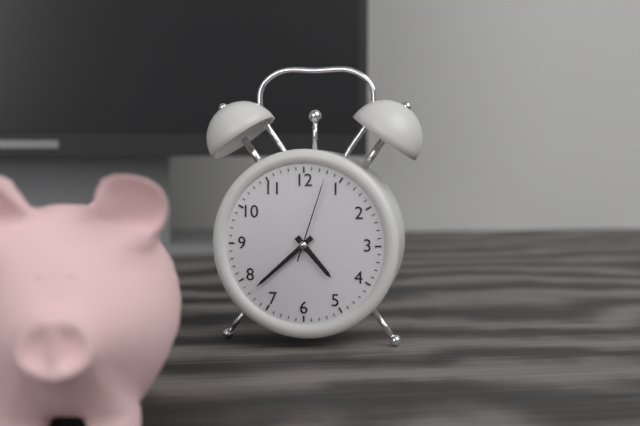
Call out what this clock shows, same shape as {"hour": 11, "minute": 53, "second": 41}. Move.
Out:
{"hour": 4, "minute": 38, "second": 3}
